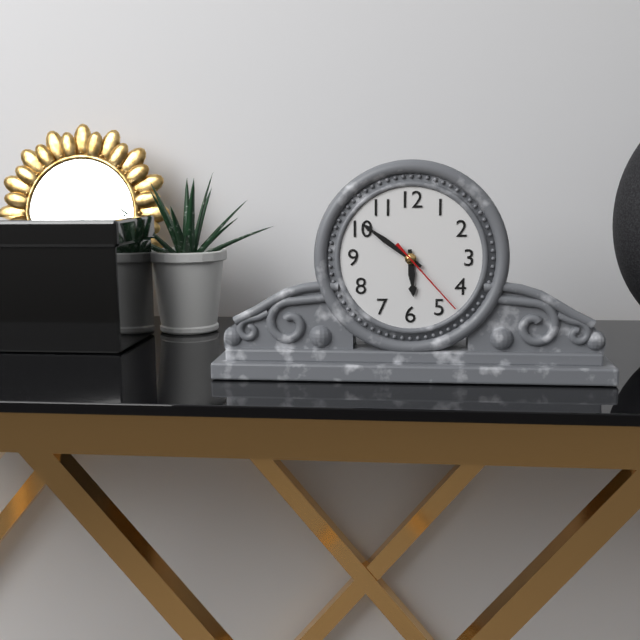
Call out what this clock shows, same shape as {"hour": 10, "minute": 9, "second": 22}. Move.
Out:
{"hour": 5, "minute": 51, "second": 23}
